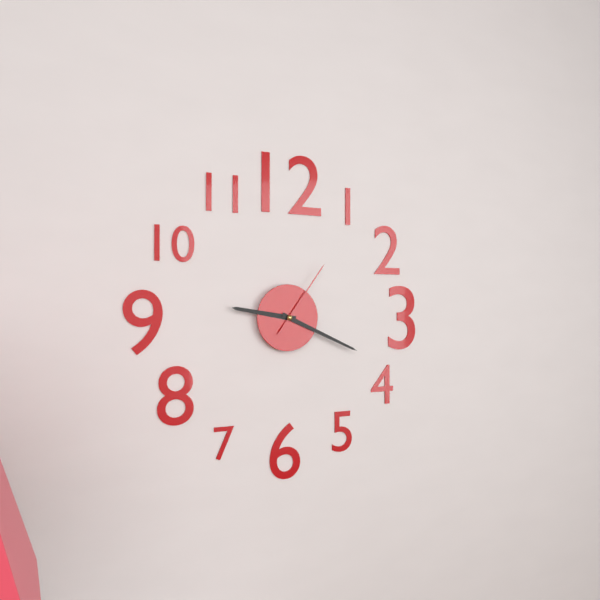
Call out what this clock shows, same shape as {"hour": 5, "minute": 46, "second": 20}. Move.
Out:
{"hour": 9, "minute": 19, "second": 6}
